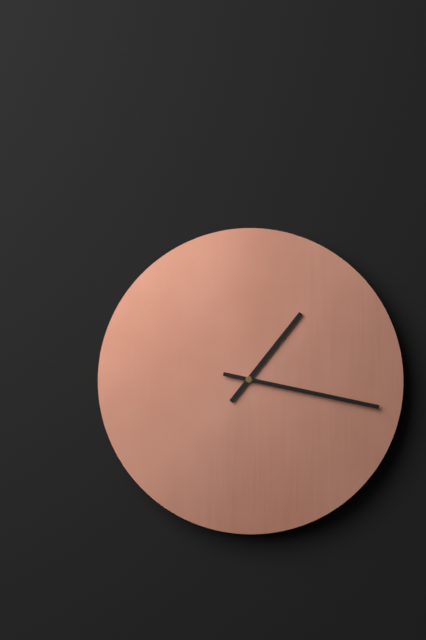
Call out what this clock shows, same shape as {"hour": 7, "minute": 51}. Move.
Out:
{"hour": 1, "minute": 17}
